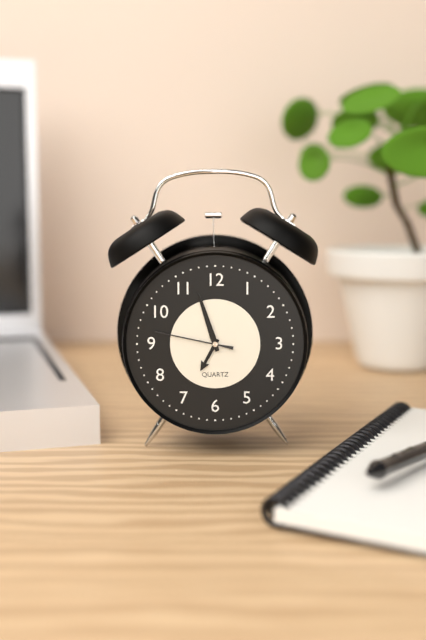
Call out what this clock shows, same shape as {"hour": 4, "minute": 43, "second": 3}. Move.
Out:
{"hour": 6, "minute": 57, "second": 47}
